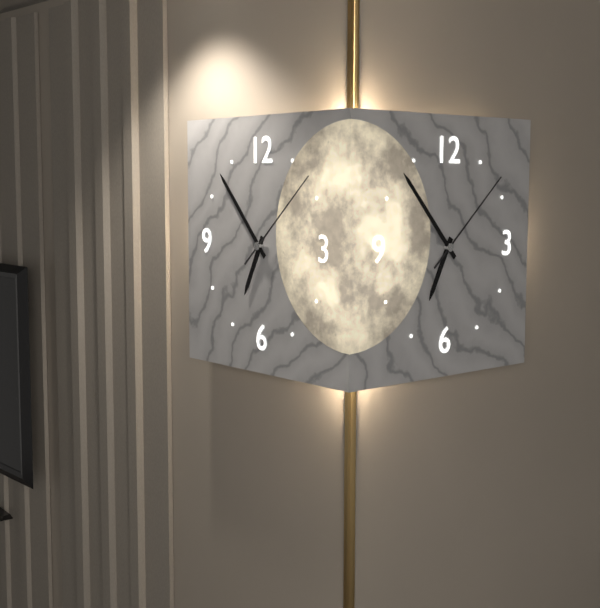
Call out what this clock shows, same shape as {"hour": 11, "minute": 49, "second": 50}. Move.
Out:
{"hour": 6, "minute": 53, "second": 8}
